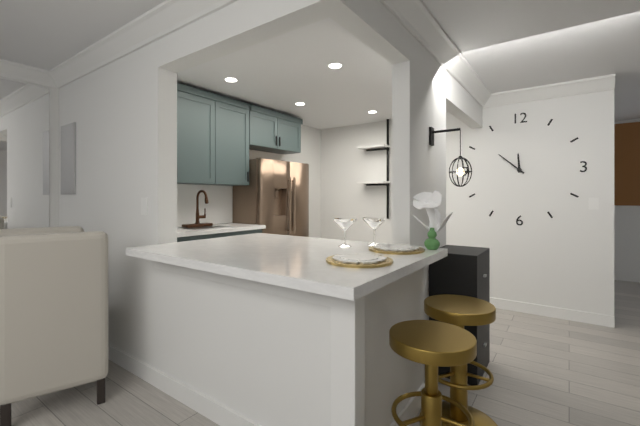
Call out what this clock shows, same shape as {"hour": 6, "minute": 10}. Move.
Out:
{"hour": 11, "minute": 52}
